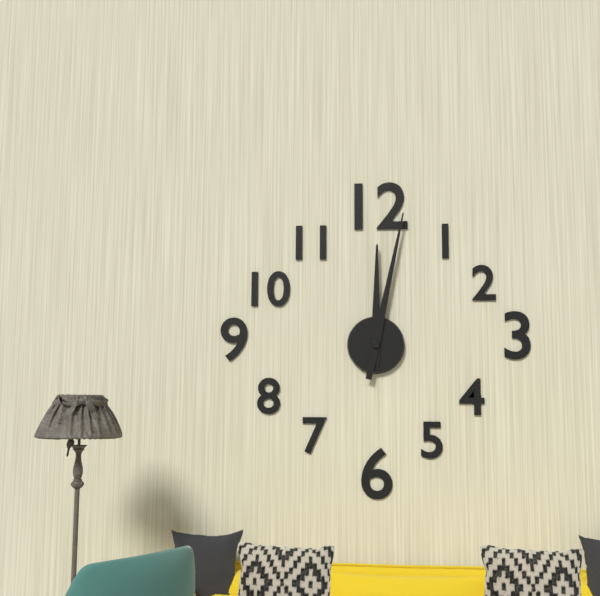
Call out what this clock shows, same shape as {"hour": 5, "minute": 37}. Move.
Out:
{"hour": 12, "minute": 2}
